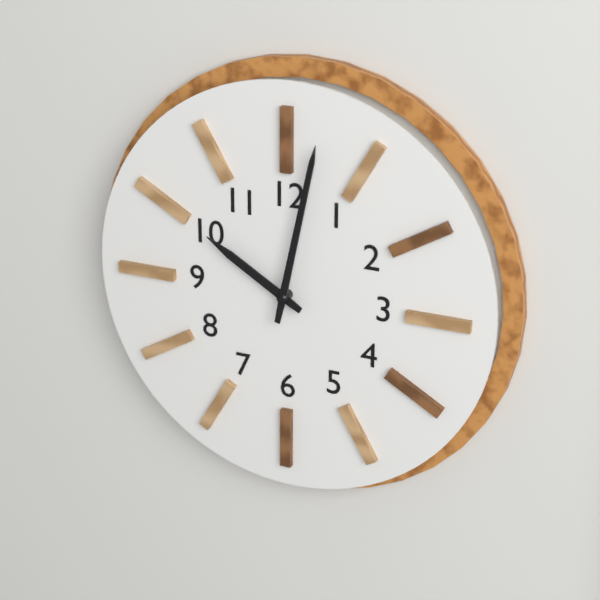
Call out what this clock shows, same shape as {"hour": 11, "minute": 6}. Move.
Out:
{"hour": 10, "minute": 2}
